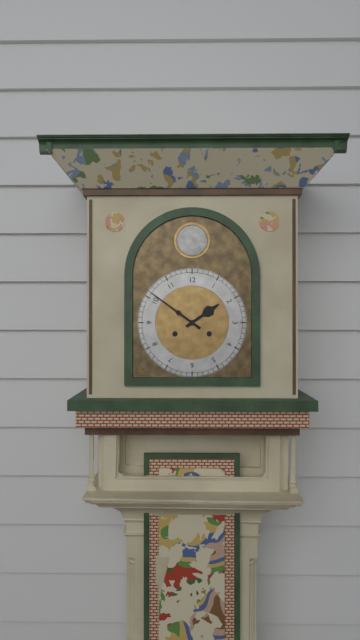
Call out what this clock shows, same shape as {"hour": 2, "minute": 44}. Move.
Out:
{"hour": 1, "minute": 51}
